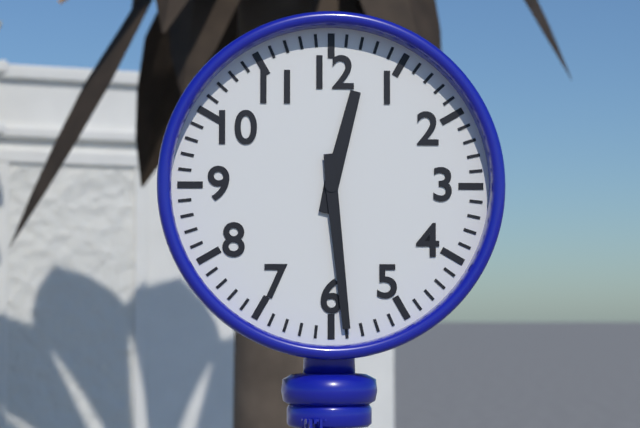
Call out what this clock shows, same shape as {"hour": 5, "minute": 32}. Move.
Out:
{"hour": 12, "minute": 29}
